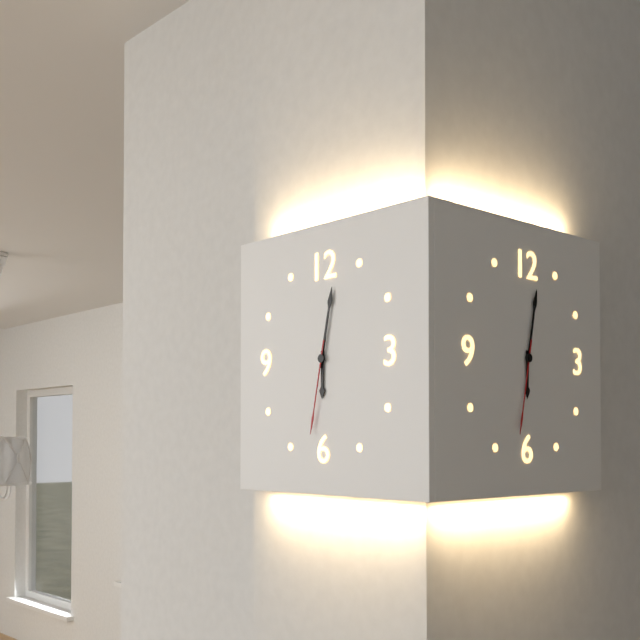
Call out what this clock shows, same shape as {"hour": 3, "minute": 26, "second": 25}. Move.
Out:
{"hour": 6, "minute": 2, "second": 32}
